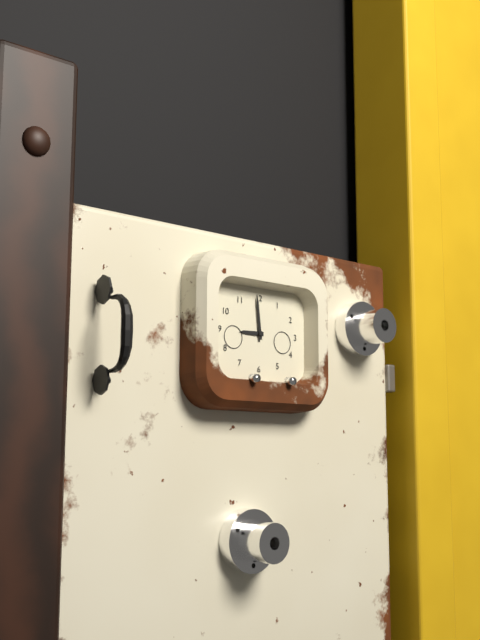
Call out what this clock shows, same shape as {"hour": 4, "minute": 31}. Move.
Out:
{"hour": 8, "minute": 59}
